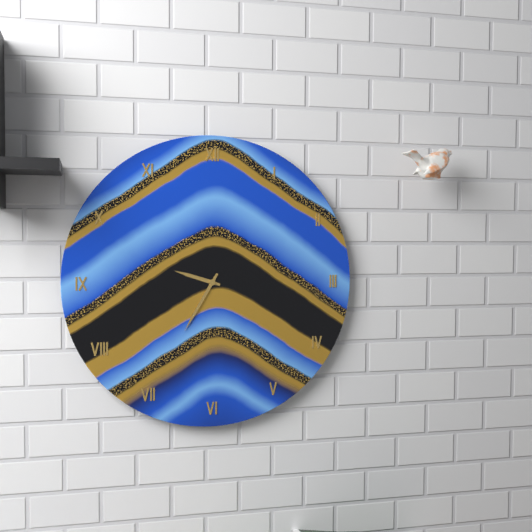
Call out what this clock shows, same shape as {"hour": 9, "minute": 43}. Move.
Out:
{"hour": 9, "minute": 35}
